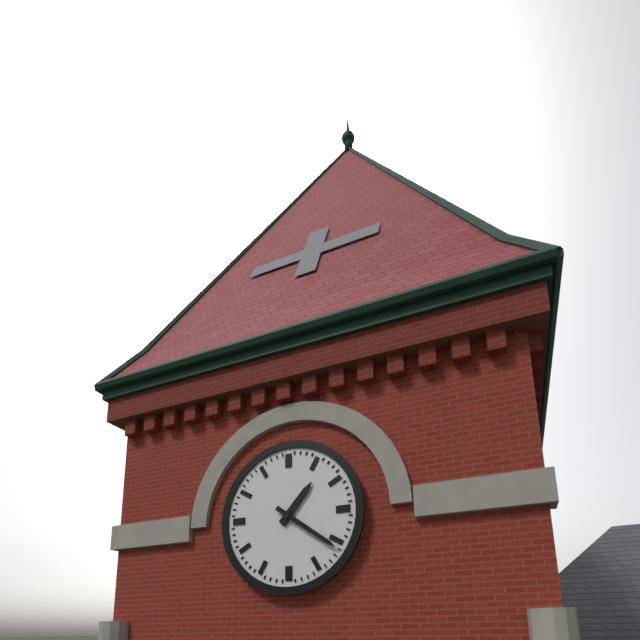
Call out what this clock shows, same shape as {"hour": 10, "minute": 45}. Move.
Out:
{"hour": 1, "minute": 21}
